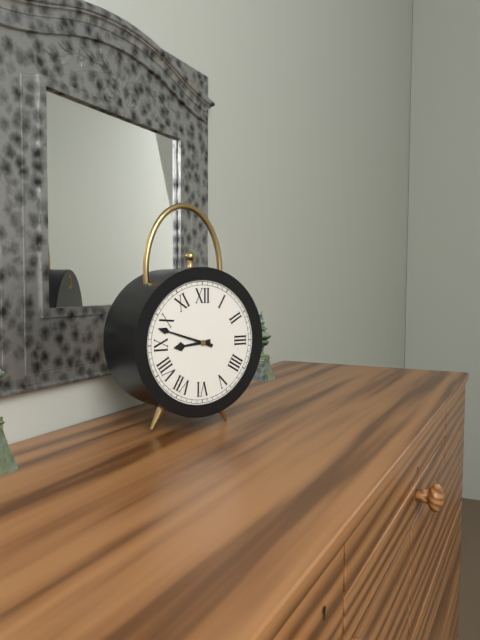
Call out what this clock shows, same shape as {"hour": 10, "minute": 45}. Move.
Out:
{"hour": 8, "minute": 48}
